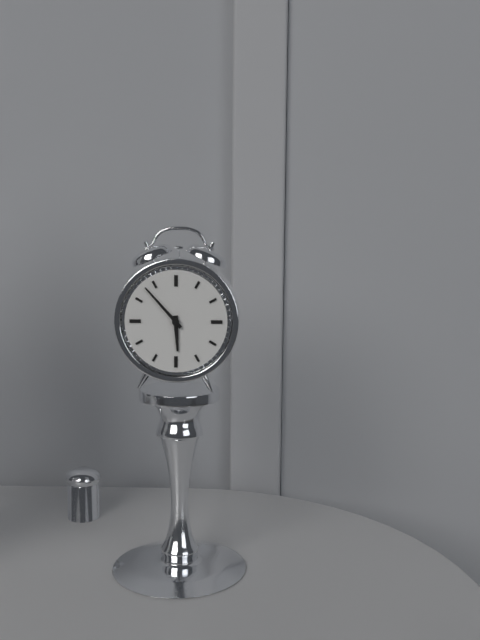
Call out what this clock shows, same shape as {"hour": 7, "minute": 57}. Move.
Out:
{"hour": 5, "minute": 53}
